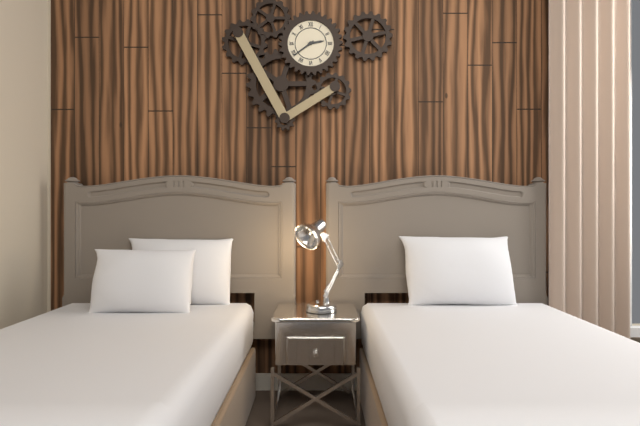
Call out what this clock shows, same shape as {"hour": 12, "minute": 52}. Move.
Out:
{"hour": 2, "minute": 39}
